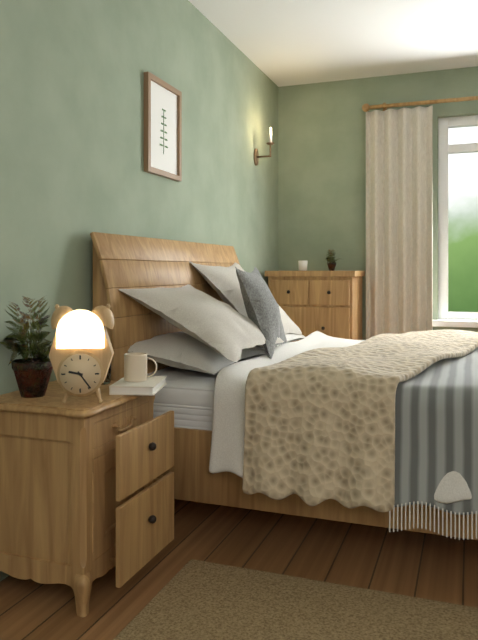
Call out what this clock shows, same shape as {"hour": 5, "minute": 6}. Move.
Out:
{"hour": 9, "minute": 24}
